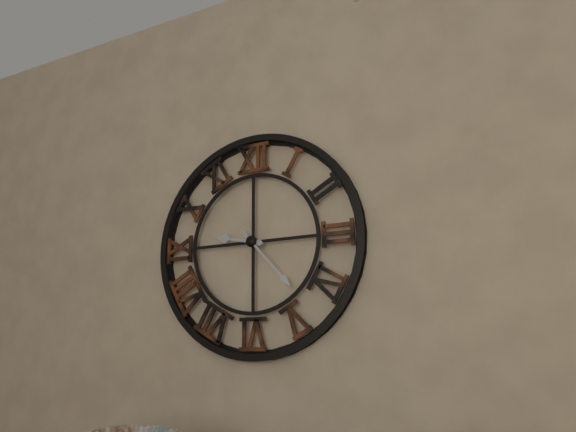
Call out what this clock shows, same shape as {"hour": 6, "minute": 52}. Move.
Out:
{"hour": 9, "minute": 23}
